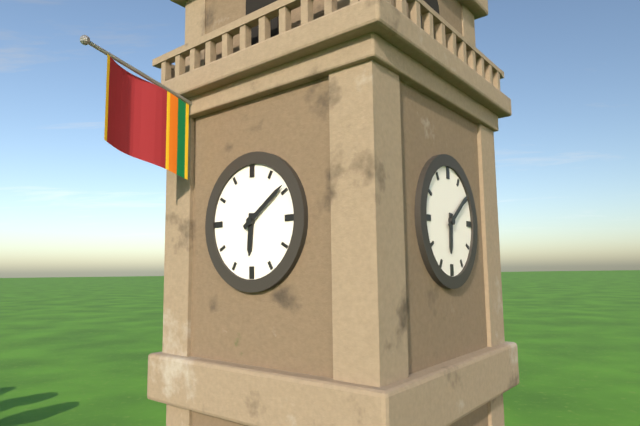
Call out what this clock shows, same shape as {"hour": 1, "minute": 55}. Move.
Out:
{"hour": 6, "minute": 9}
